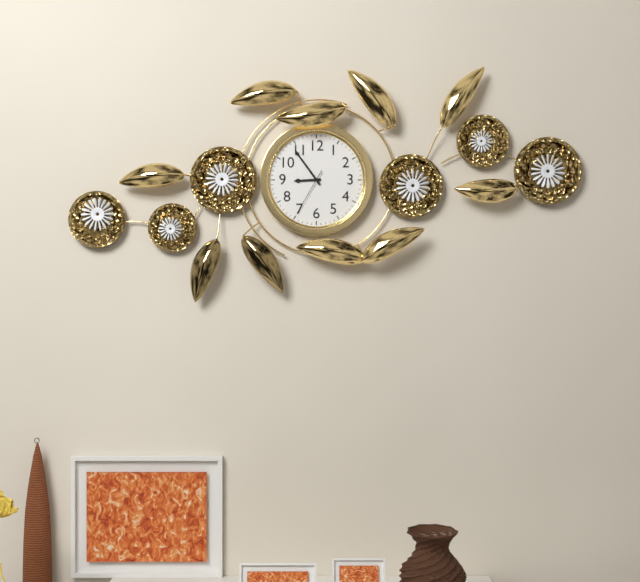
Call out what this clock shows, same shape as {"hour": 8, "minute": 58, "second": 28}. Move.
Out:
{"hour": 8, "minute": 54, "second": 35}
